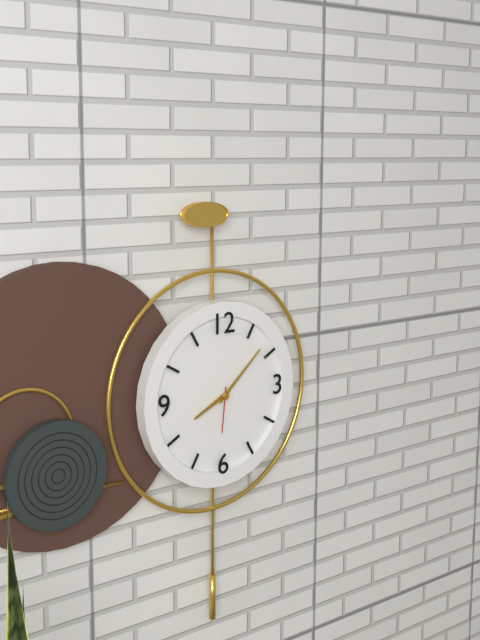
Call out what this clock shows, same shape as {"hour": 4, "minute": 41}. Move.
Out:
{"hour": 8, "minute": 8}
